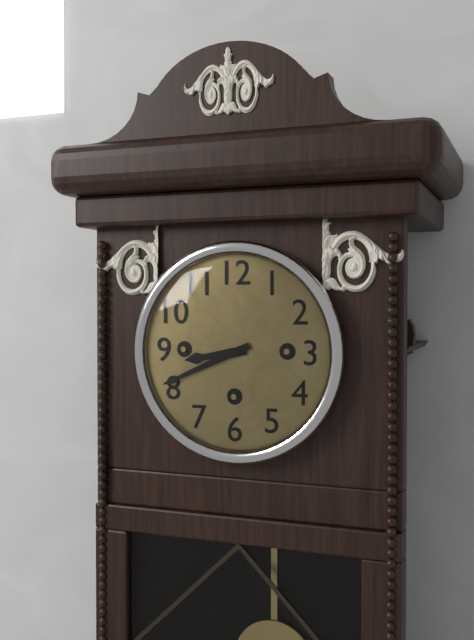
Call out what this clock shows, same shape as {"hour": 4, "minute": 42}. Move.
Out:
{"hour": 8, "minute": 41}
